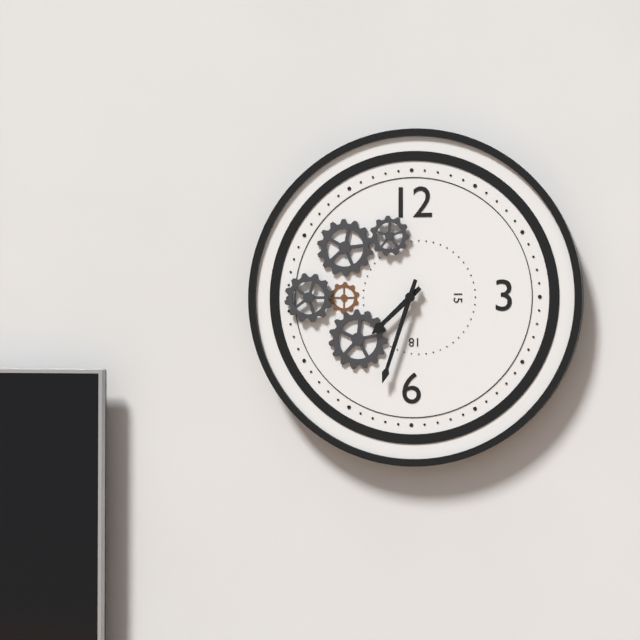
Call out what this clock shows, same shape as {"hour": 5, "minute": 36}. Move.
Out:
{"hour": 7, "minute": 33}
